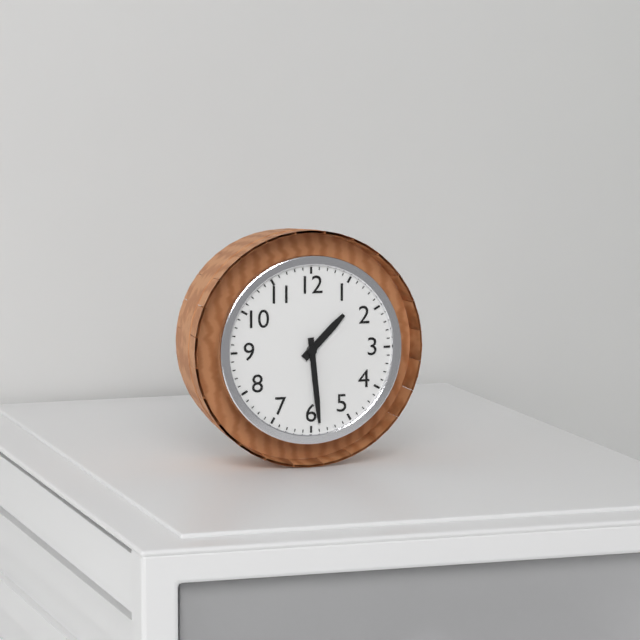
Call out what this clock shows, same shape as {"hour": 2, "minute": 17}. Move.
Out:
{"hour": 1, "minute": 29}
